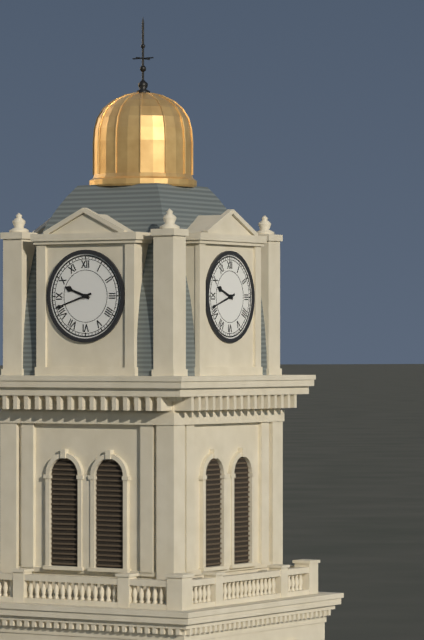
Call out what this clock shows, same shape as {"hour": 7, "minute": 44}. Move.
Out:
{"hour": 9, "minute": 42}
